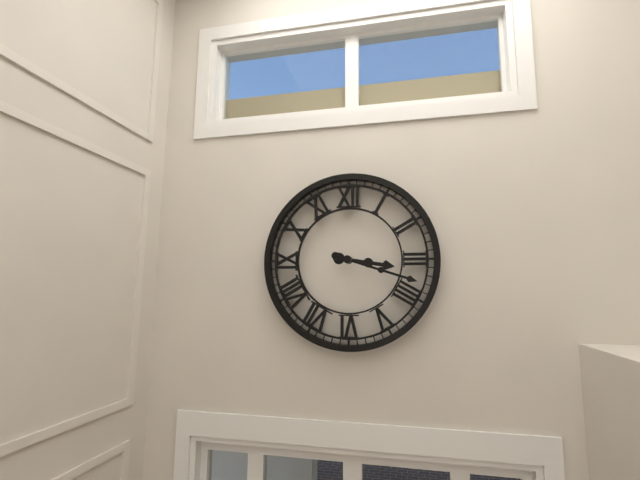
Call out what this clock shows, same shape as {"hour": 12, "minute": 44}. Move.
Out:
{"hour": 3, "minute": 18}
